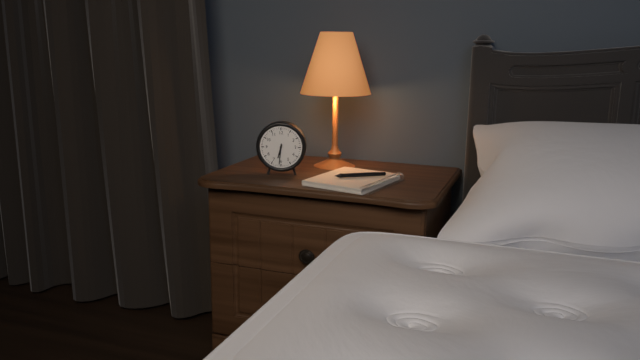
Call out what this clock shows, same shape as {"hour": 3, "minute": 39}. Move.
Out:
{"hour": 6, "minute": 31}
